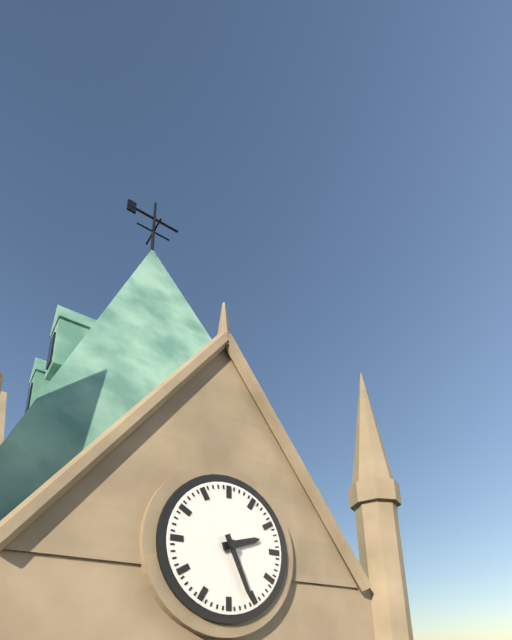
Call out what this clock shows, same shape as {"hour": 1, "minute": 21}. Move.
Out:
{"hour": 2, "minute": 26}
